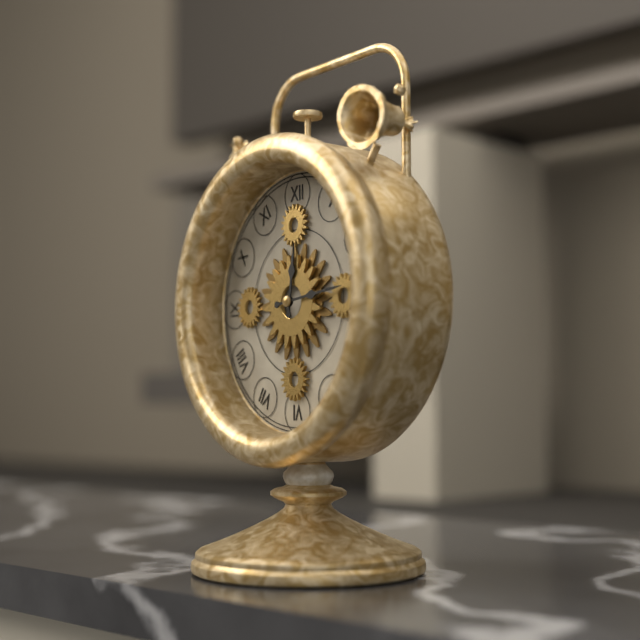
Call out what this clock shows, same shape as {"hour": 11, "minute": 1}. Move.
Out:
{"hour": 12, "minute": 14}
